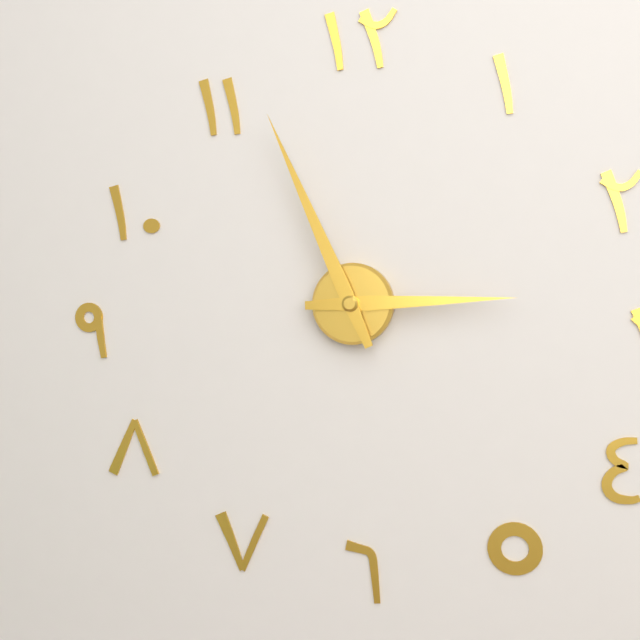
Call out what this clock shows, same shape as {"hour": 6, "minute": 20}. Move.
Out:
{"hour": 2, "minute": 56}
